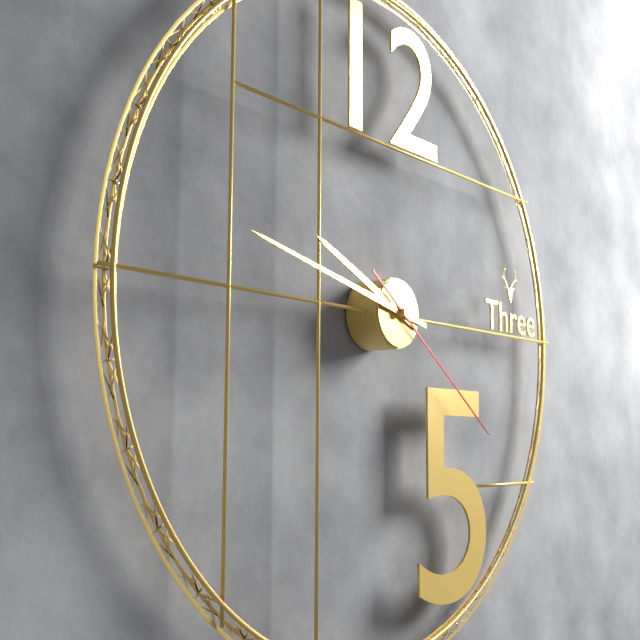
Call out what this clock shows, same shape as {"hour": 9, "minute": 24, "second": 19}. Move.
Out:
{"hour": 9, "minute": 47, "second": 21}
